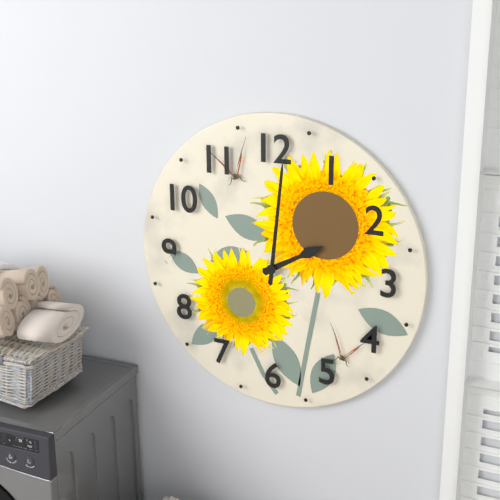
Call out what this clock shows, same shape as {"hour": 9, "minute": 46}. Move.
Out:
{"hour": 2, "minute": 1}
